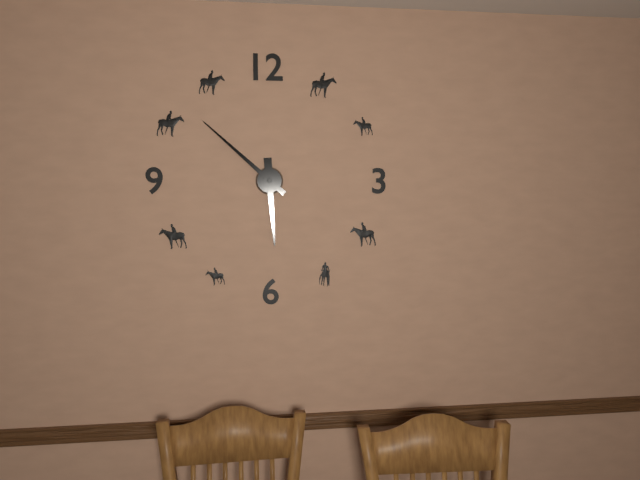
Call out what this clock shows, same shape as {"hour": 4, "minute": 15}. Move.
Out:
{"hour": 5, "minute": 52}
